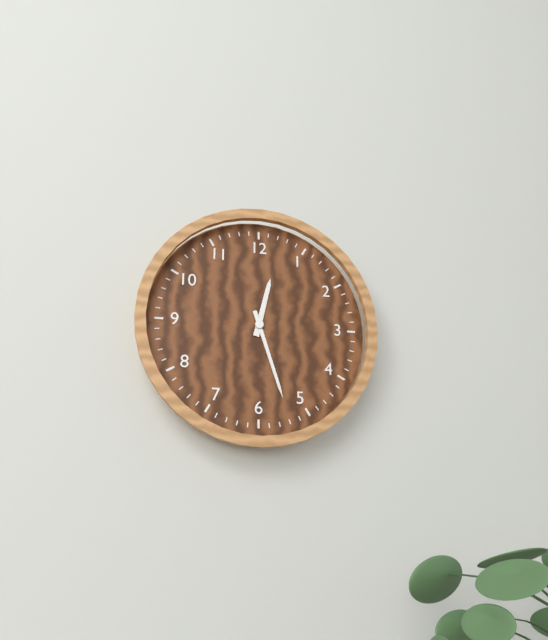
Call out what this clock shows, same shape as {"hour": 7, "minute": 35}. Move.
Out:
{"hour": 12, "minute": 27}
